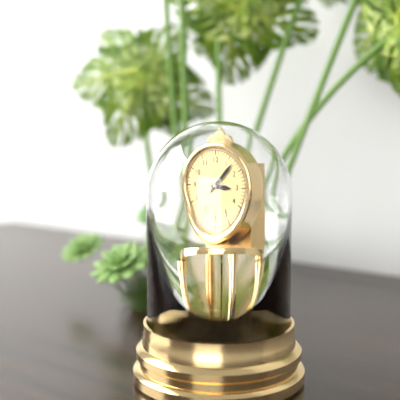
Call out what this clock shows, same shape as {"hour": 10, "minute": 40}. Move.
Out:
{"hour": 3, "minute": 7}
